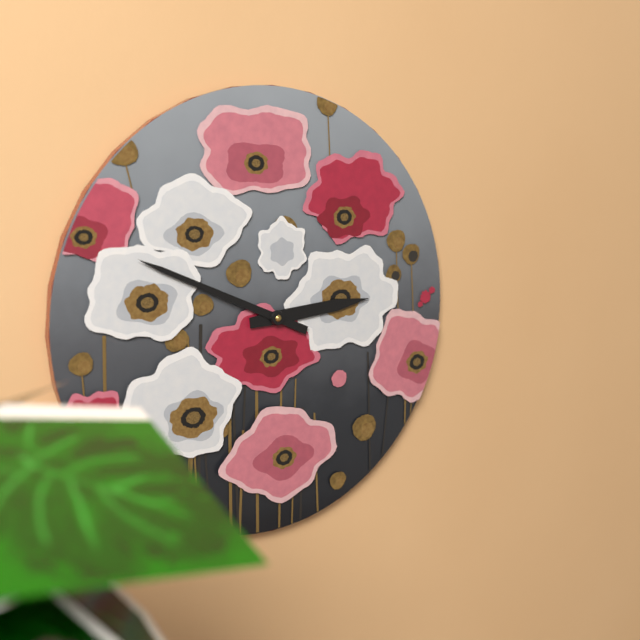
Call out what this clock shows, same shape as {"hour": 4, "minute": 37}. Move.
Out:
{"hour": 2, "minute": 49}
